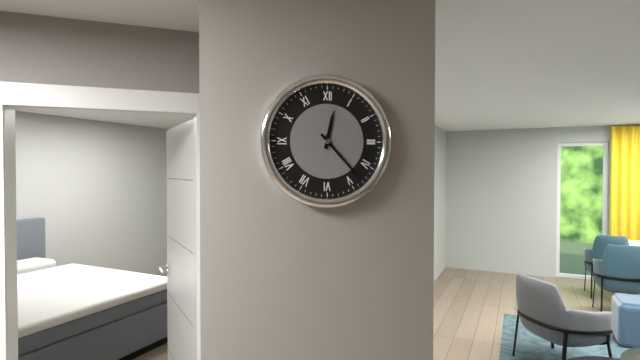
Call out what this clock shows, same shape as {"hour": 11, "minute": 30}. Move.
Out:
{"hour": 12, "minute": 23}
